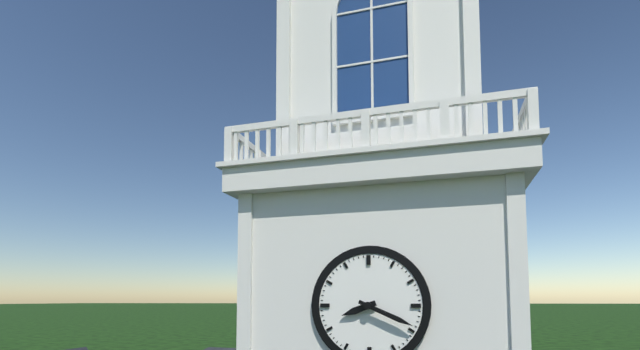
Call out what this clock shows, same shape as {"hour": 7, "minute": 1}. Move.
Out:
{"hour": 8, "minute": 19}
